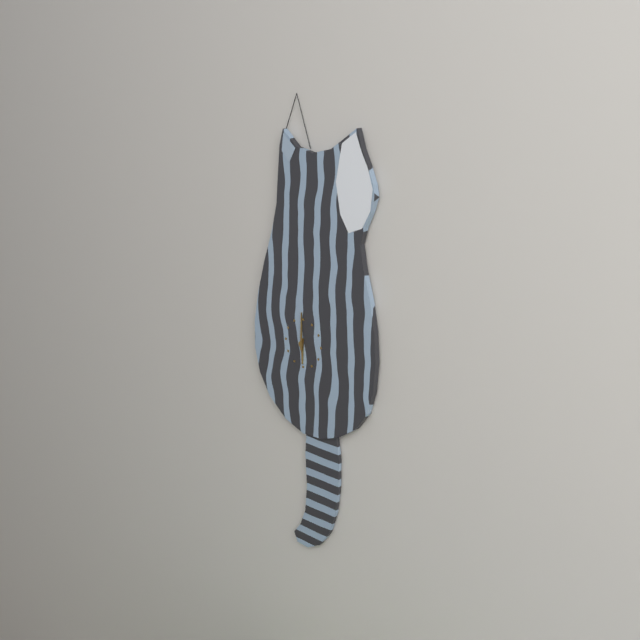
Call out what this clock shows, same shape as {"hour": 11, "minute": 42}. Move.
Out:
{"hour": 6, "minute": 0}
